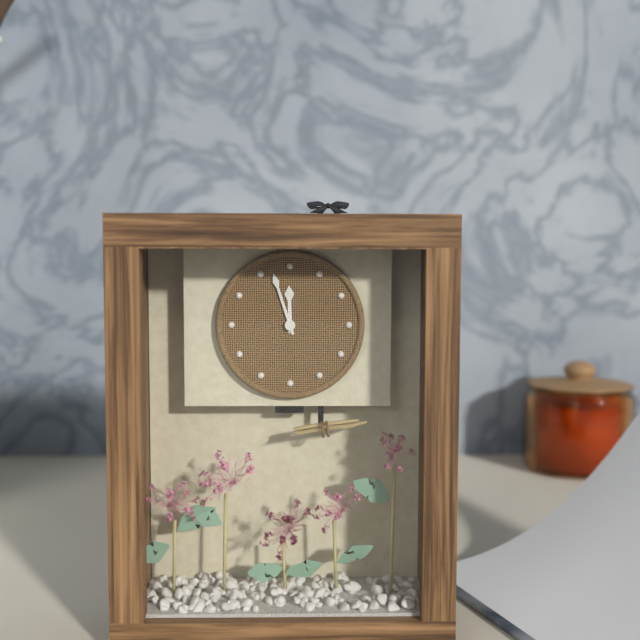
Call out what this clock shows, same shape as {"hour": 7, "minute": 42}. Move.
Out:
{"hour": 11, "minute": 57}
